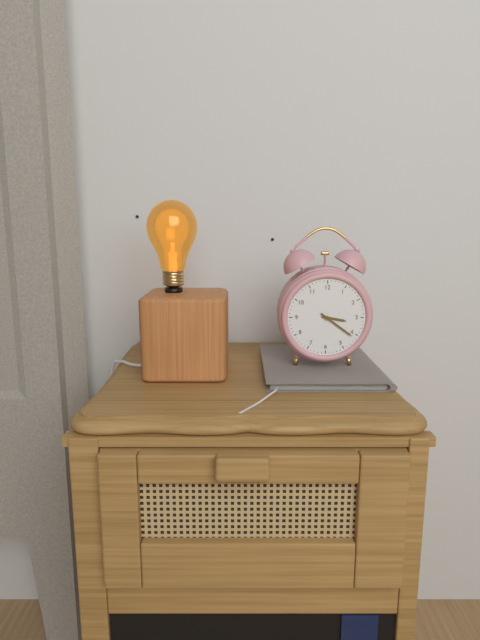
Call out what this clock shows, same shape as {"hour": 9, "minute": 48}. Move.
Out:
{"hour": 3, "minute": 21}
